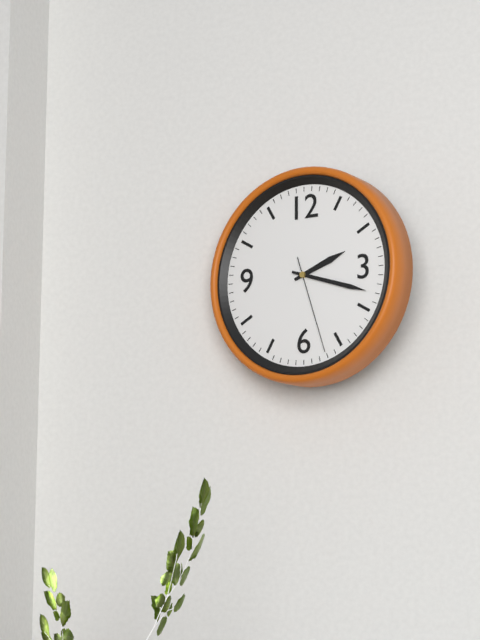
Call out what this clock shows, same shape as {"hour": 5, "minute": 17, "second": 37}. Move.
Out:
{"hour": 2, "minute": 18, "second": 27}
